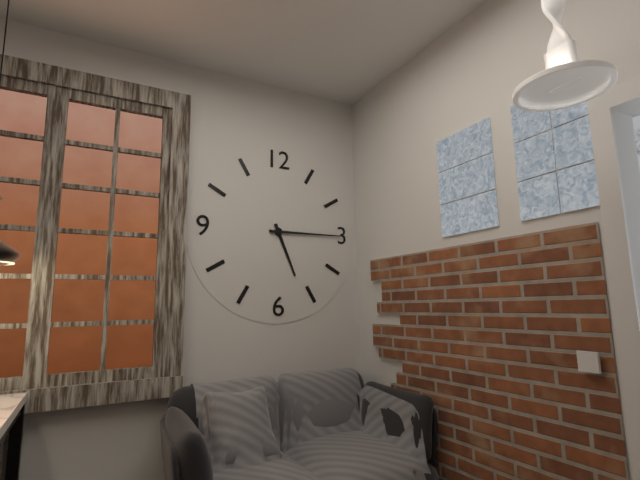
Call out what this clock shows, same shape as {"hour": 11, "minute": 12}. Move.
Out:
{"hour": 5, "minute": 15}
